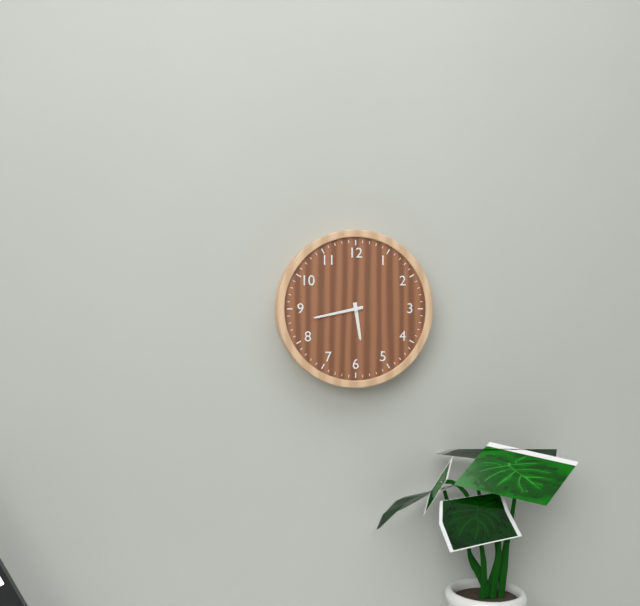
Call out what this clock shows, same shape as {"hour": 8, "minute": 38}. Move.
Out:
{"hour": 5, "minute": 43}
